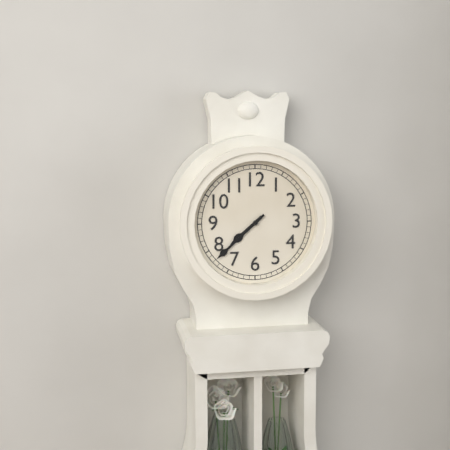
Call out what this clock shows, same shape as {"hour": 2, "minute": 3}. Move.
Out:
{"hour": 7, "minute": 38}
